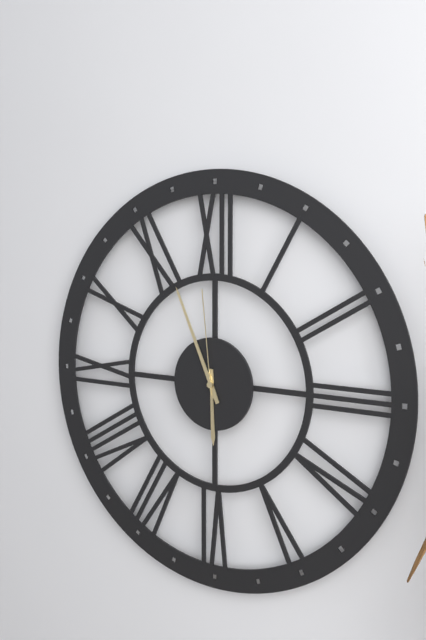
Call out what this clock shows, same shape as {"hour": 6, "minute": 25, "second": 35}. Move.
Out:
{"hour": 5, "minute": 56, "second": 59}
